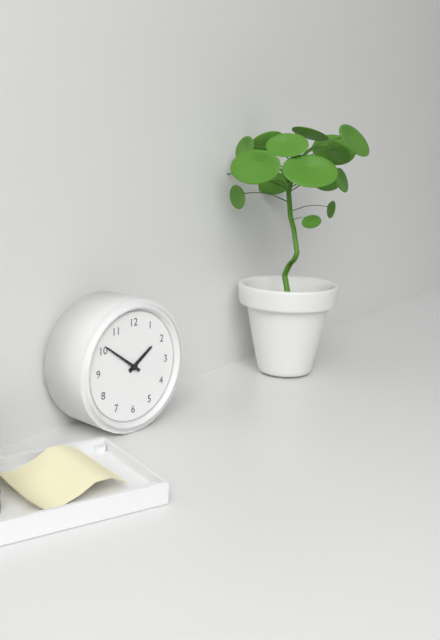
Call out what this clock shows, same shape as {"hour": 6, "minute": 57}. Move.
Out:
{"hour": 1, "minute": 51}
